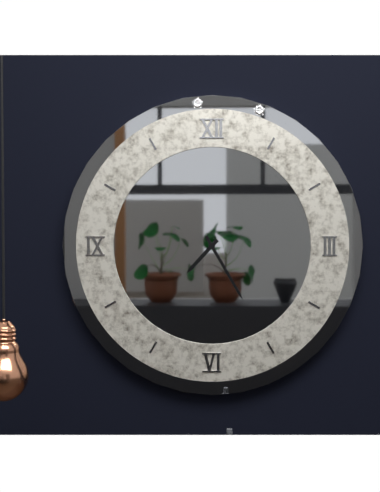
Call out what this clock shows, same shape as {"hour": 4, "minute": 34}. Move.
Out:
{"hour": 7, "minute": 25}
